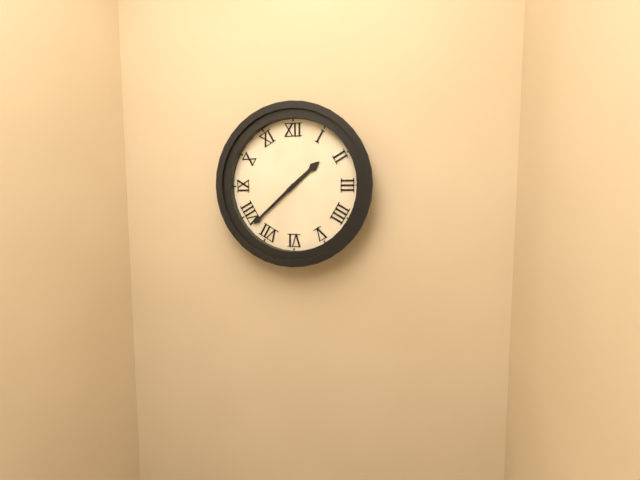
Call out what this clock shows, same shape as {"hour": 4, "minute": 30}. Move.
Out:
{"hour": 1, "minute": 38}
